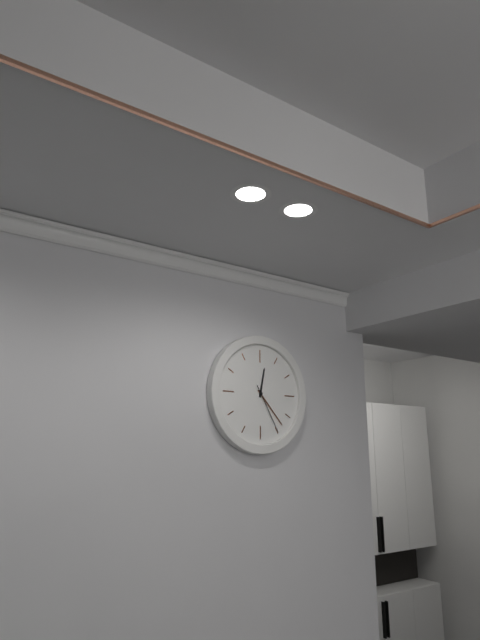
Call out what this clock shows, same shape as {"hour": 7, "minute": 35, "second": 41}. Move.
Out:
{"hour": 12, "minute": 23, "second": 25}
